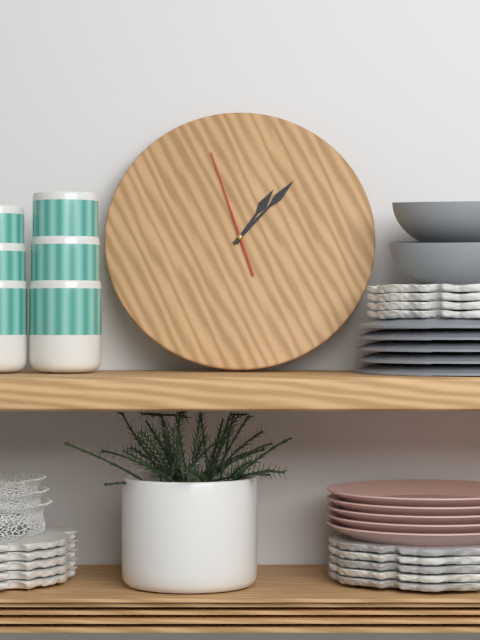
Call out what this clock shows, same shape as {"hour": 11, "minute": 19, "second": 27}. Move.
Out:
{"hour": 1, "minute": 7, "second": 57}
